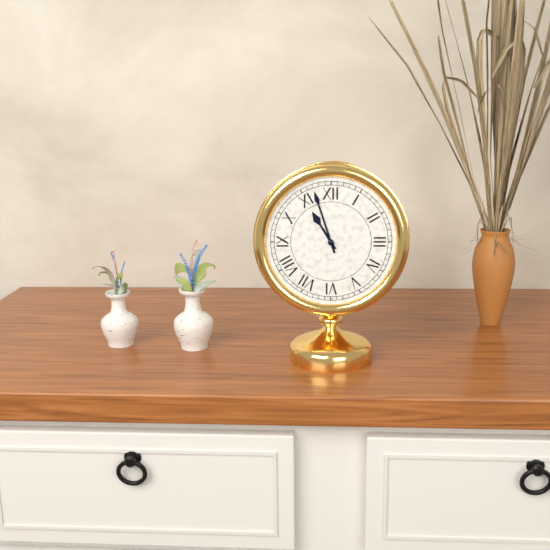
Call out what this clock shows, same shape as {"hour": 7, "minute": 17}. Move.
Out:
{"hour": 10, "minute": 57}
